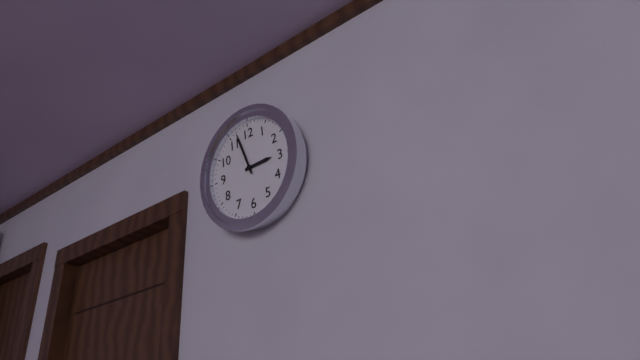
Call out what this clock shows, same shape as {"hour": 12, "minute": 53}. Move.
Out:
{"hour": 2, "minute": 57}
